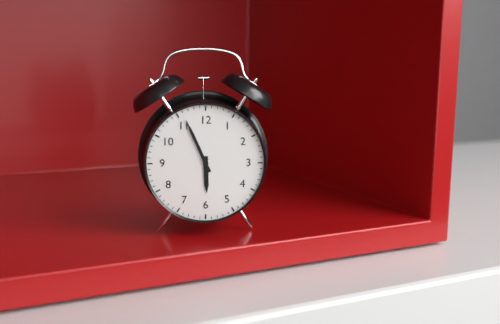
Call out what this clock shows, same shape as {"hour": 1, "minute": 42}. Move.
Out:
{"hour": 5, "minute": 56}
